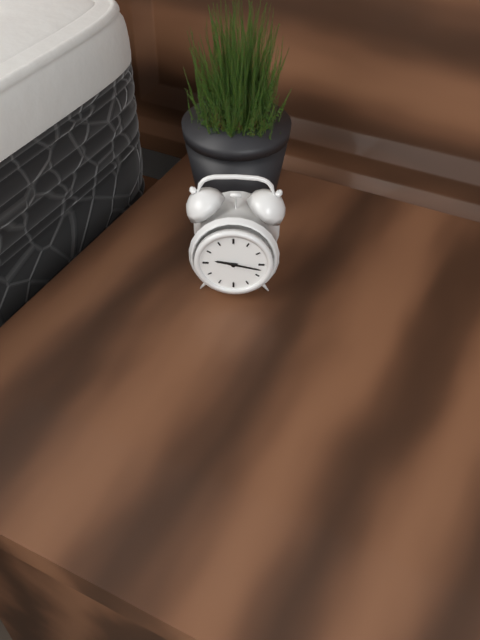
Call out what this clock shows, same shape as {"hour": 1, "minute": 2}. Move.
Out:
{"hour": 9, "minute": 17}
